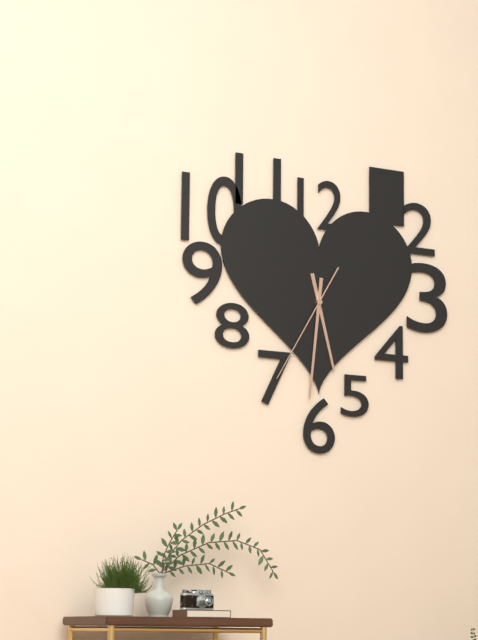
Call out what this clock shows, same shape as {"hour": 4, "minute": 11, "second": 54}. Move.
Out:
{"hour": 5, "minute": 31, "second": 35}
